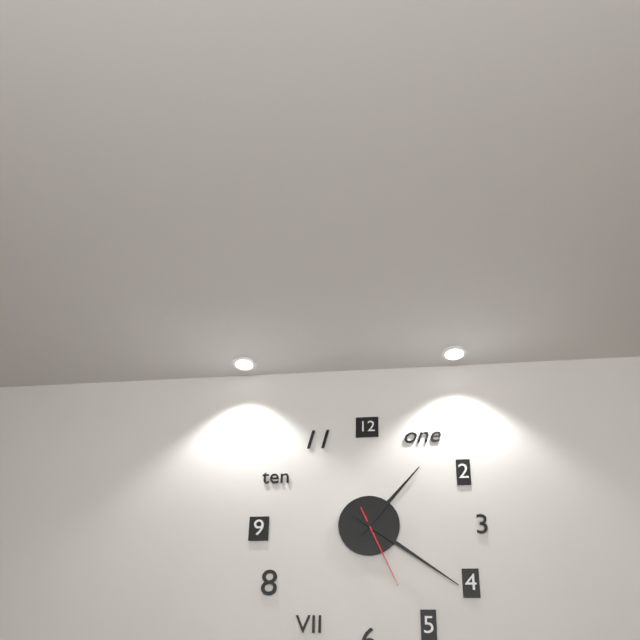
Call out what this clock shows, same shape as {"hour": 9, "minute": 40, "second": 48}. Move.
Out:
{"hour": 1, "minute": 21, "second": 26}
